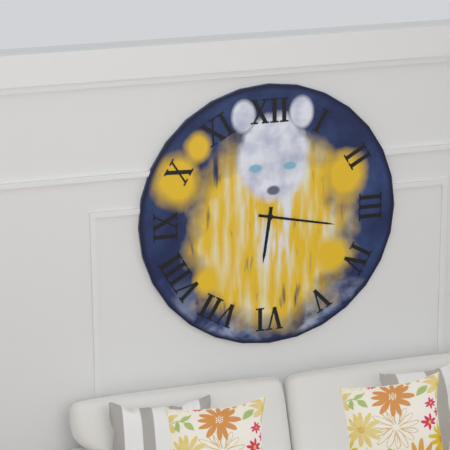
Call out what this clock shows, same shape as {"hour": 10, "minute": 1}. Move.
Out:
{"hour": 6, "minute": 17}
